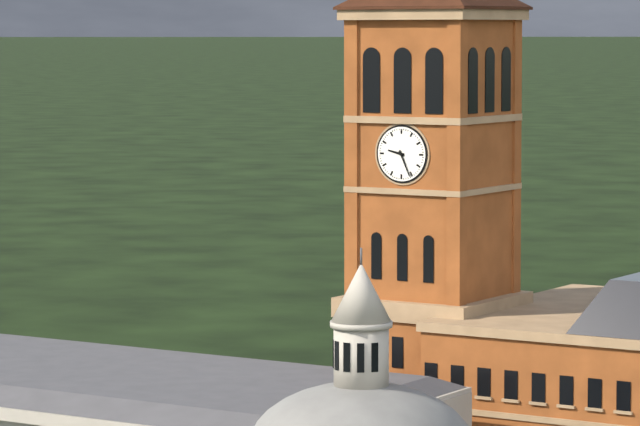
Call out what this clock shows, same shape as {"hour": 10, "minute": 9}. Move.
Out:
{"hour": 9, "minute": 26}
